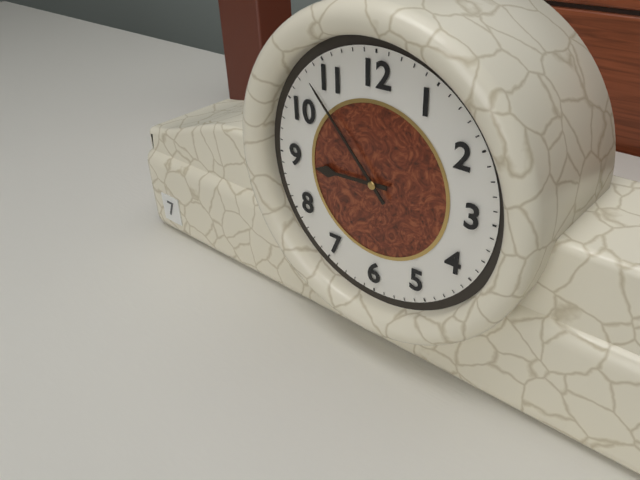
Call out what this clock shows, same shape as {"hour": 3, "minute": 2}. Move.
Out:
{"hour": 8, "minute": 53}
